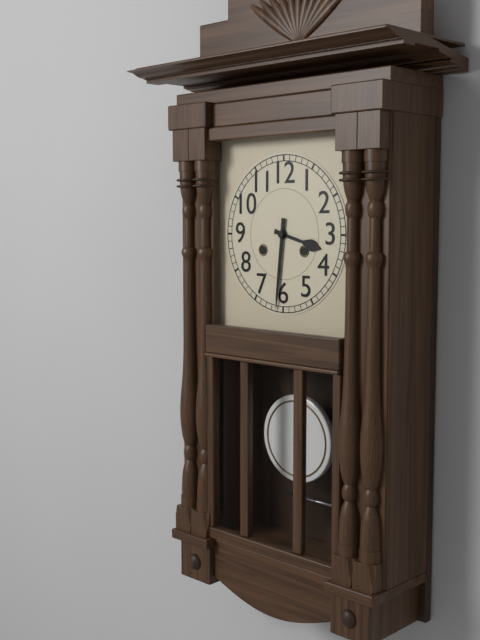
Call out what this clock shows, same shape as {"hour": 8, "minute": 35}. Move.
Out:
{"hour": 3, "minute": 31}
